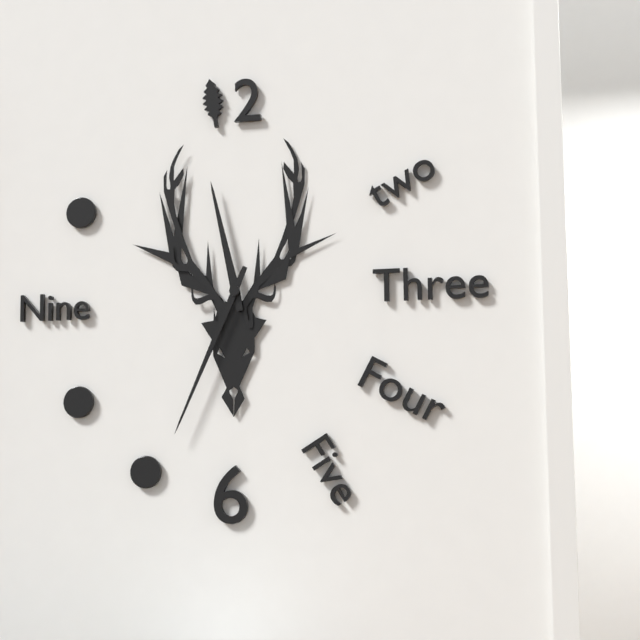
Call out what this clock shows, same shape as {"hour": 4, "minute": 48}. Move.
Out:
{"hour": 11, "minute": 34}
